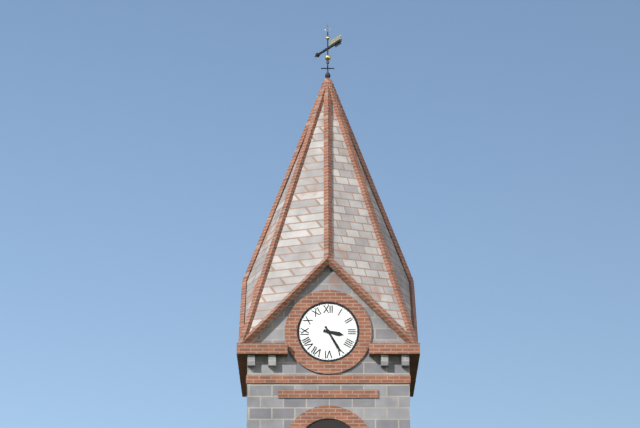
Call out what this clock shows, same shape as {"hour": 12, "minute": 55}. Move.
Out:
{"hour": 3, "minute": 25}
